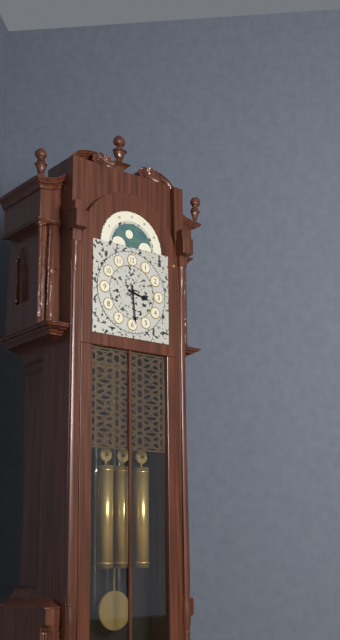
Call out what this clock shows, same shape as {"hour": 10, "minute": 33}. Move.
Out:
{"hour": 3, "minute": 29}
